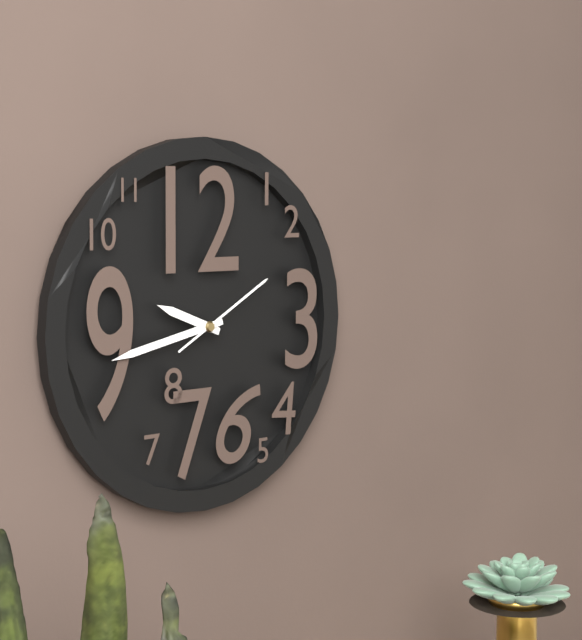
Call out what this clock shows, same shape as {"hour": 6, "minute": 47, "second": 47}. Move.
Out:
{"hour": 9, "minute": 43, "second": 10}
